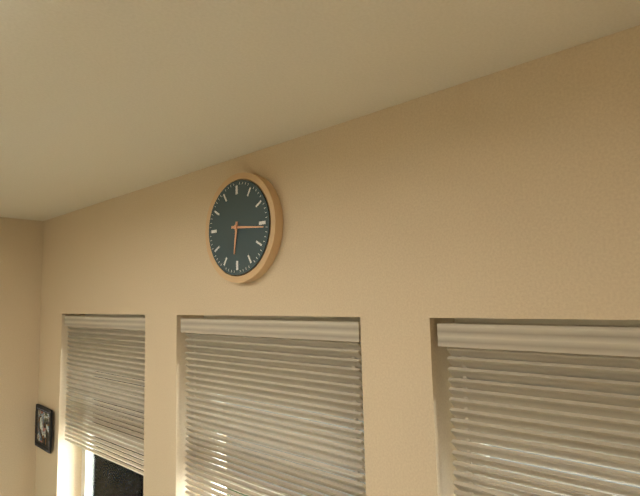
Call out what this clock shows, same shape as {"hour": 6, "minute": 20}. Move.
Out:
{"hour": 6, "minute": 16}
